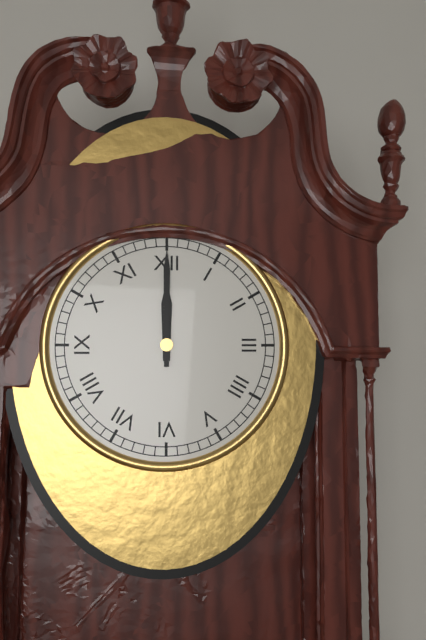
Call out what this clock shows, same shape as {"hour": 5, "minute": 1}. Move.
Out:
{"hour": 12, "minute": 0}
